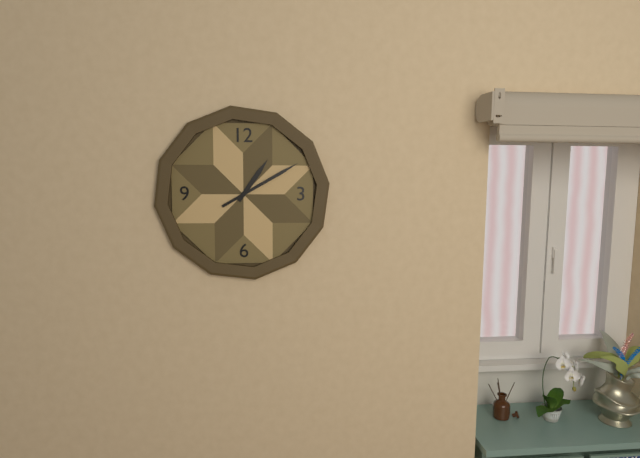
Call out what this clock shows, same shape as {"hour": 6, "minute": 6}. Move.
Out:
{"hour": 1, "minute": 10}
